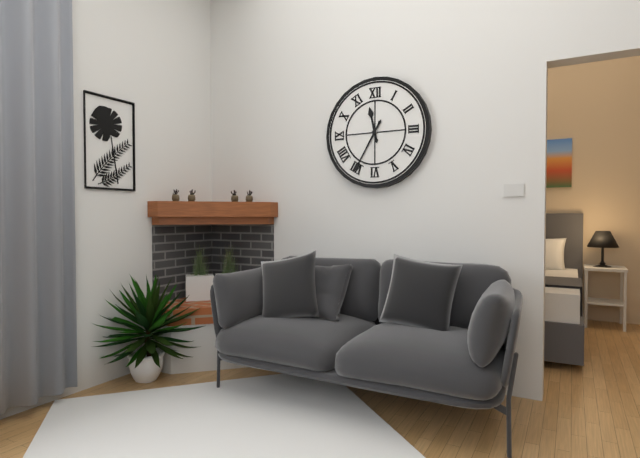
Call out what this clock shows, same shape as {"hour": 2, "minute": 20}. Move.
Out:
{"hour": 11, "minute": 35}
